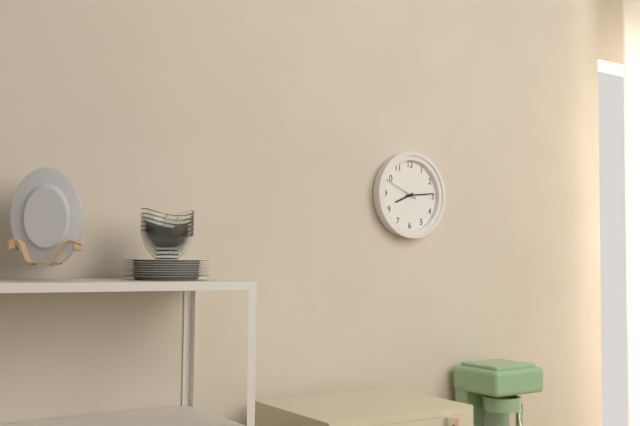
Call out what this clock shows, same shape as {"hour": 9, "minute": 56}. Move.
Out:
{"hour": 8, "minute": 14}
